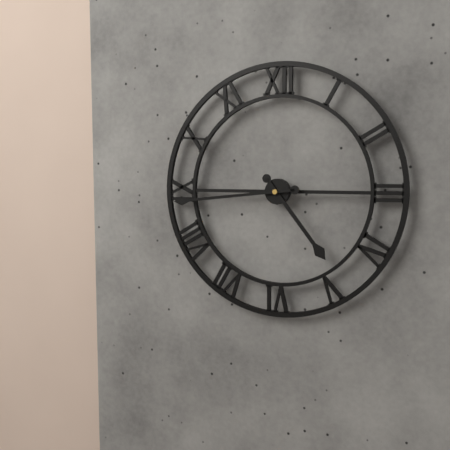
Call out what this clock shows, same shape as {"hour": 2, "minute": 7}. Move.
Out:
{"hour": 4, "minute": 44}
